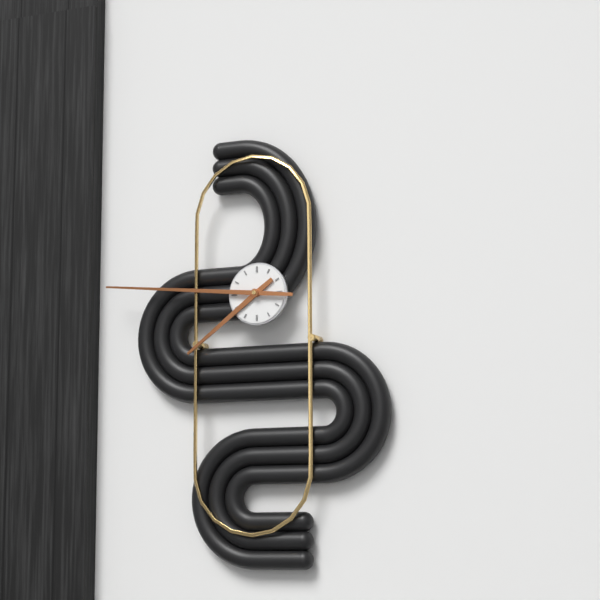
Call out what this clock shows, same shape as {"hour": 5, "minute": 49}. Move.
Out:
{"hour": 7, "minute": 46}
